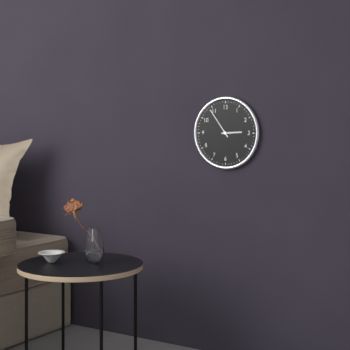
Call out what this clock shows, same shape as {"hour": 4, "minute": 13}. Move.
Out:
{"hour": 2, "minute": 54}
